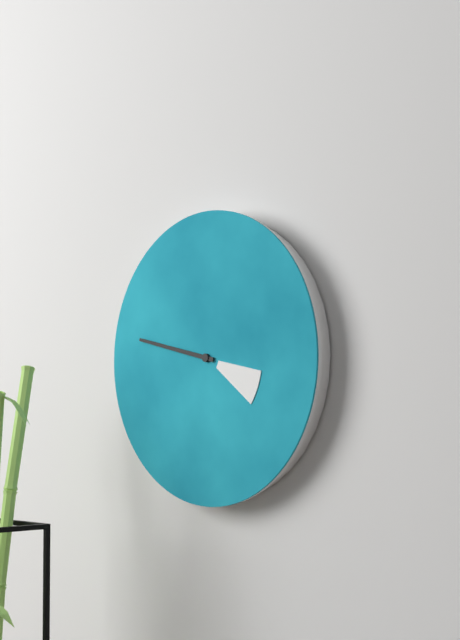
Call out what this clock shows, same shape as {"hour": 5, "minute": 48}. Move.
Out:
{"hour": 3, "minute": 47}
